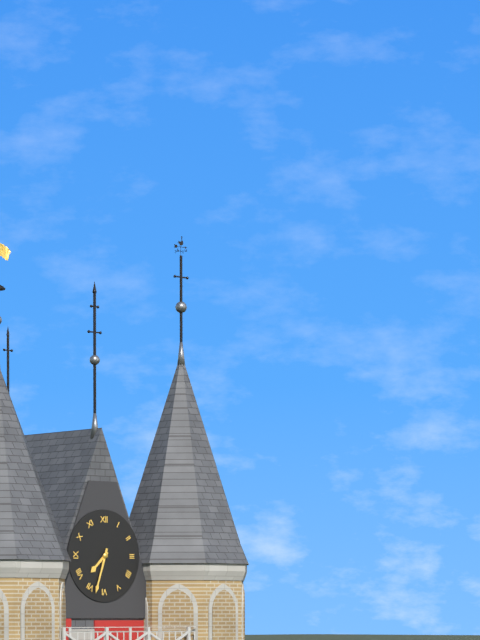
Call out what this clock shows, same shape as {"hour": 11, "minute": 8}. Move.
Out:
{"hour": 7, "minute": 33}
